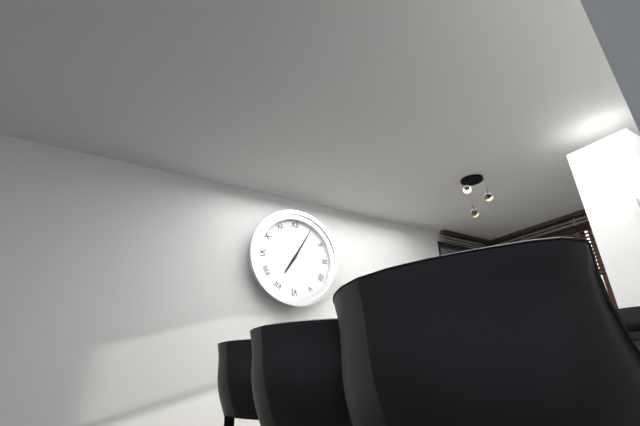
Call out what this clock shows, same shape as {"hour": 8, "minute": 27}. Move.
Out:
{"hour": 7, "minute": 5}
